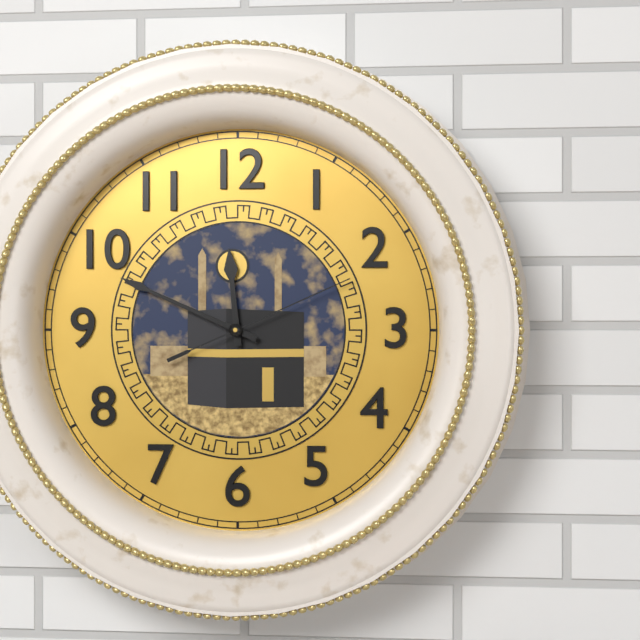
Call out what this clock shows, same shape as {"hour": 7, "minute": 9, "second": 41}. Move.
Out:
{"hour": 11, "minute": 49, "second": 11}
